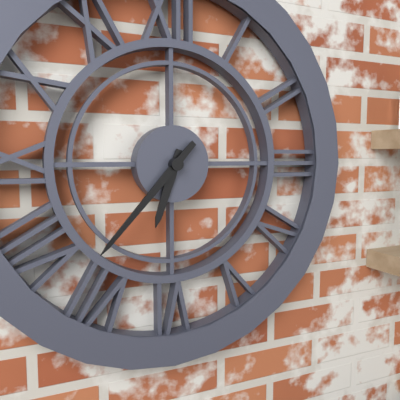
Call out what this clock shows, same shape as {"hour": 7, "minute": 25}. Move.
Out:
{"hour": 6, "minute": 37}
